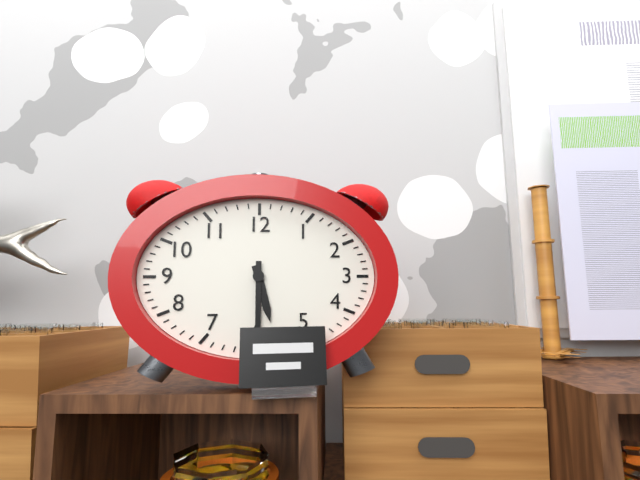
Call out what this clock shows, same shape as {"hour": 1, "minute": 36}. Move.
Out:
{"hour": 5, "minute": 30}
